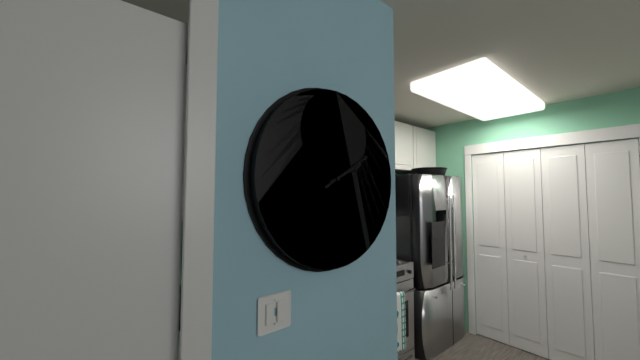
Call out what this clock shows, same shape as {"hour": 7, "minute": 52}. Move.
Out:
{"hour": 2, "minute": 10}
